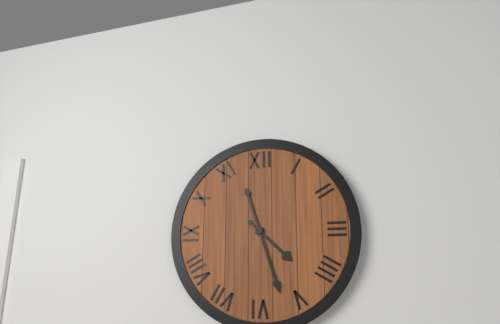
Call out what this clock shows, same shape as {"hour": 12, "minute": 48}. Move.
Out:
{"hour": 4, "minute": 27}
